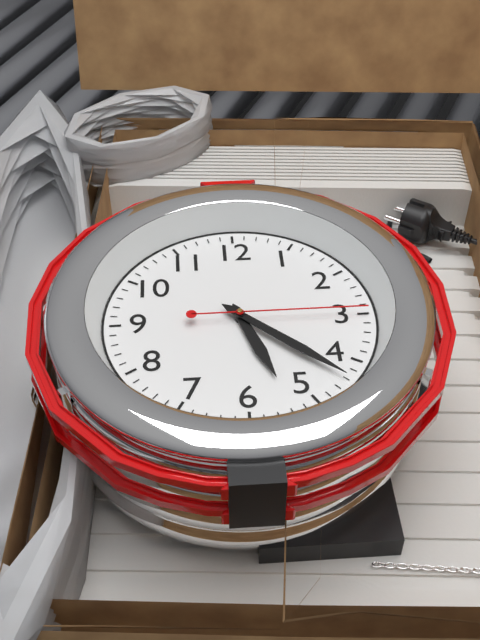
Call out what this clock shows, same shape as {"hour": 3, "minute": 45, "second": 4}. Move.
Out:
{"hour": 5, "minute": 22, "second": 15}
